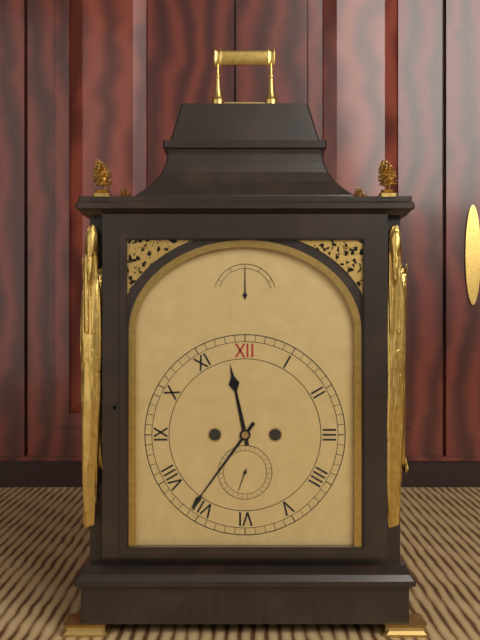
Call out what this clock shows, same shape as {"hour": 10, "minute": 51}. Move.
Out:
{"hour": 11, "minute": 36}
